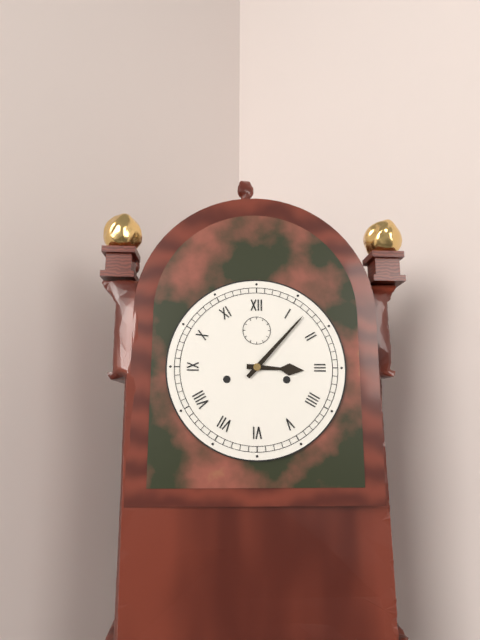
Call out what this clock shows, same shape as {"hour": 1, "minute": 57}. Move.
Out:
{"hour": 3, "minute": 7}
